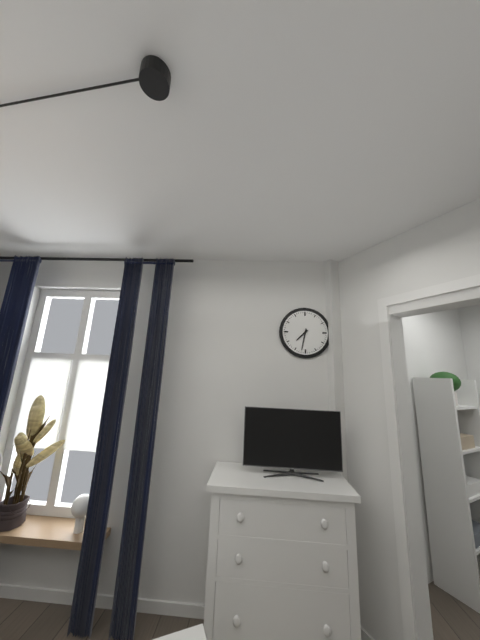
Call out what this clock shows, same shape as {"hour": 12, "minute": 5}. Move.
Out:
{"hour": 7, "minute": 32}
